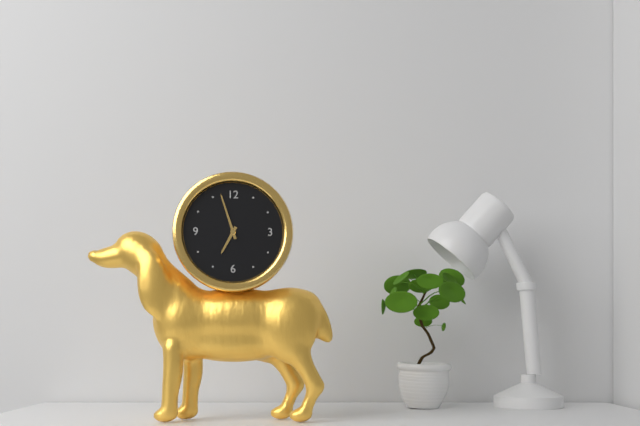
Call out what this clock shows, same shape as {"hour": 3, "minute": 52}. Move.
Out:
{"hour": 6, "minute": 57}
